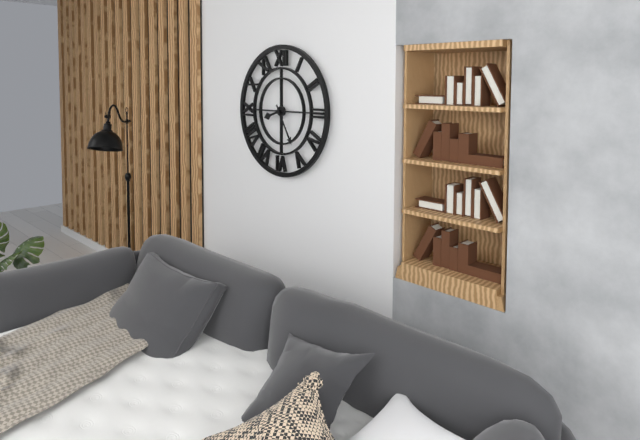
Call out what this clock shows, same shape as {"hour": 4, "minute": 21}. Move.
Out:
{"hour": 8, "minute": 25}
